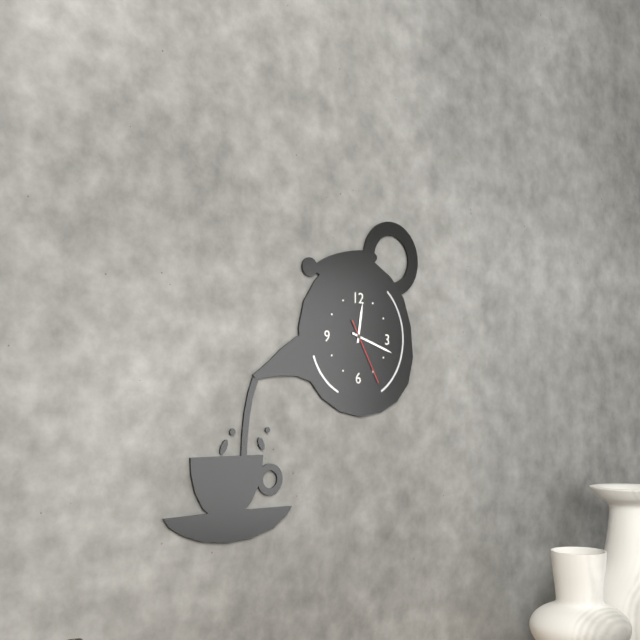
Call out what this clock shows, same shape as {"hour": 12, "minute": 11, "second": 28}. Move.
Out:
{"hour": 12, "minute": 18, "second": 25}
